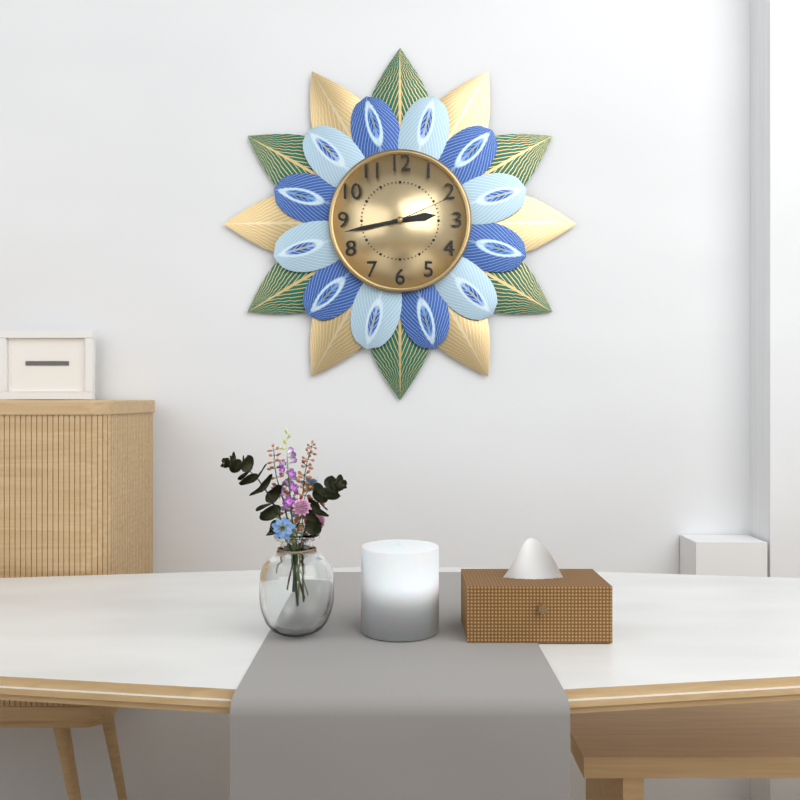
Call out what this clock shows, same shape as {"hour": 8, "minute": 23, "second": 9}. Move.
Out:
{"hour": 2, "minute": 43, "second": 11}
